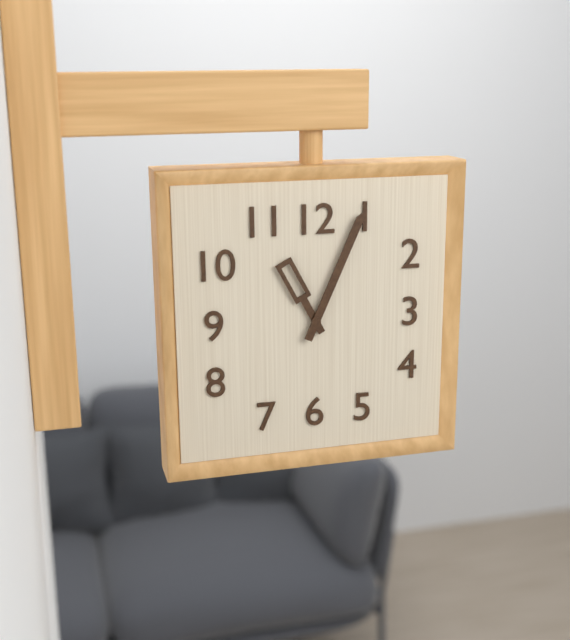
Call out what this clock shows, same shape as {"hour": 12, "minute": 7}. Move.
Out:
{"hour": 11, "minute": 4}
